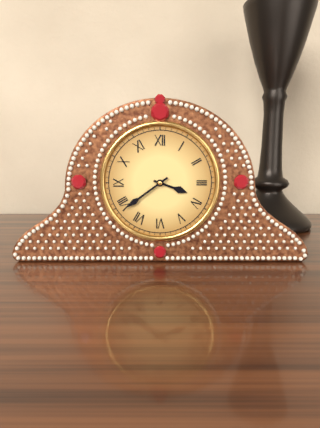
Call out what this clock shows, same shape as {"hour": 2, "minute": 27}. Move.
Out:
{"hour": 3, "minute": 39}
